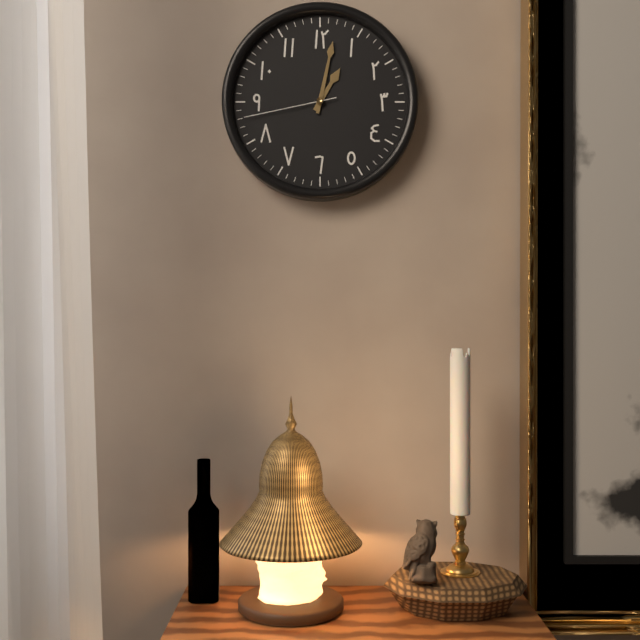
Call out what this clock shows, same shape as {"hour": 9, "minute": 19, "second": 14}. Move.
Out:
{"hour": 1, "minute": 2, "second": 43}
